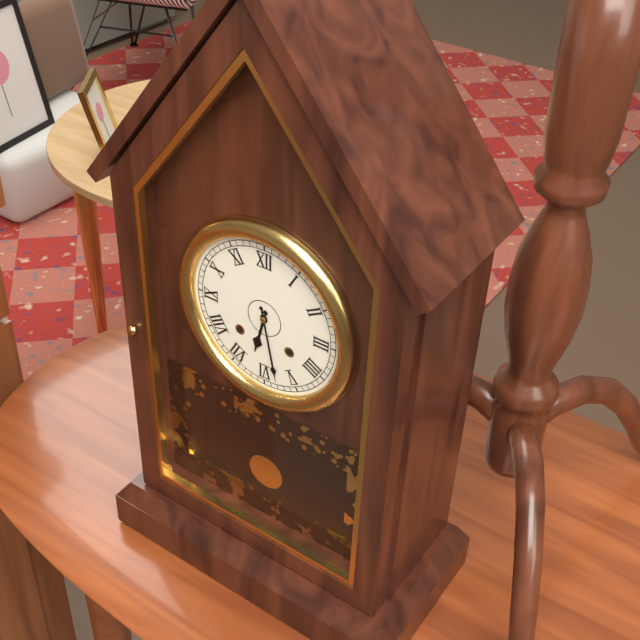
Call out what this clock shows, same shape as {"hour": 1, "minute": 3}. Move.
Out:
{"hour": 6, "minute": 28}
